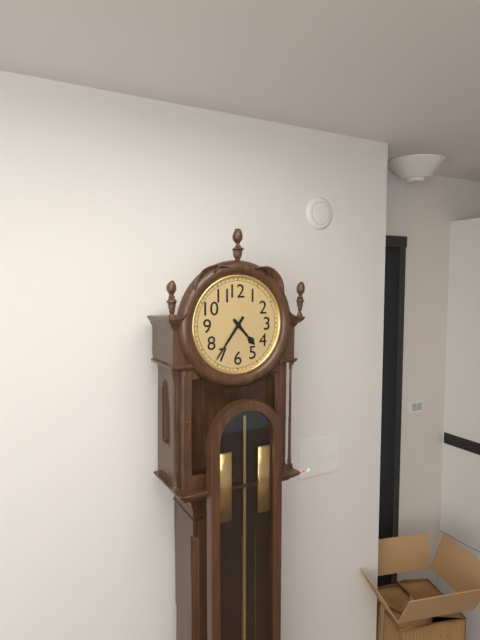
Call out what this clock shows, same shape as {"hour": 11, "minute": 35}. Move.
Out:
{"hour": 4, "minute": 36}
